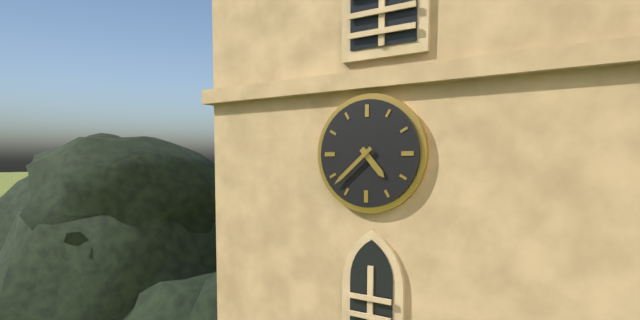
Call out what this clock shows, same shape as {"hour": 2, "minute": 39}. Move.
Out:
{"hour": 4, "minute": 38}
